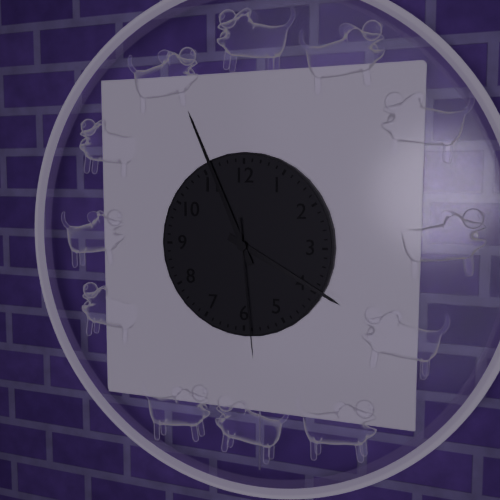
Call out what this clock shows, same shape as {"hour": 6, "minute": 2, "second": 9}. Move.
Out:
{"hour": 3, "minute": 56, "second": 29}
